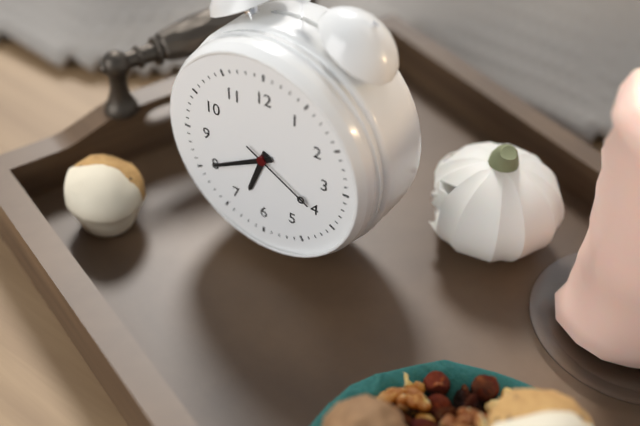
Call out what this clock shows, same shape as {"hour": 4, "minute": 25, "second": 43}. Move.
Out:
{"hour": 6, "minute": 40, "second": 20}
